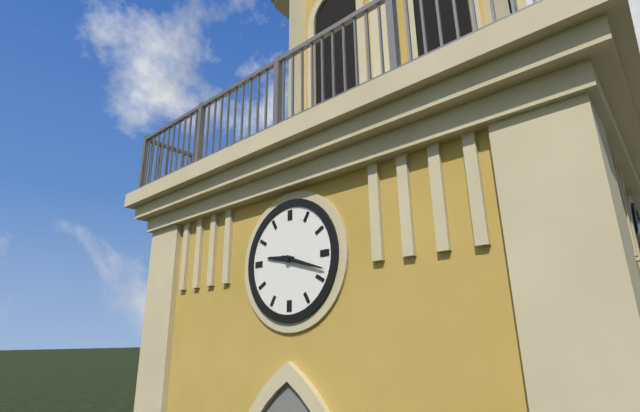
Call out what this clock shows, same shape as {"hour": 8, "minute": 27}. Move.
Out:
{"hour": 9, "minute": 18}
